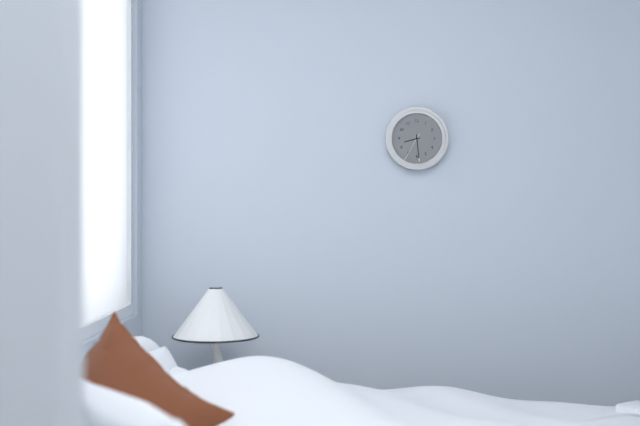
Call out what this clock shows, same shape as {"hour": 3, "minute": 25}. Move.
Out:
{"hour": 8, "minute": 29}
